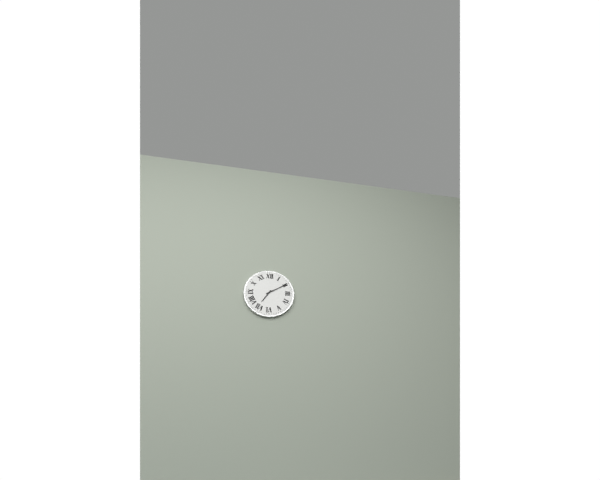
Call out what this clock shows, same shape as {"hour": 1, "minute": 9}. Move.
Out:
{"hour": 7, "minute": 10}
